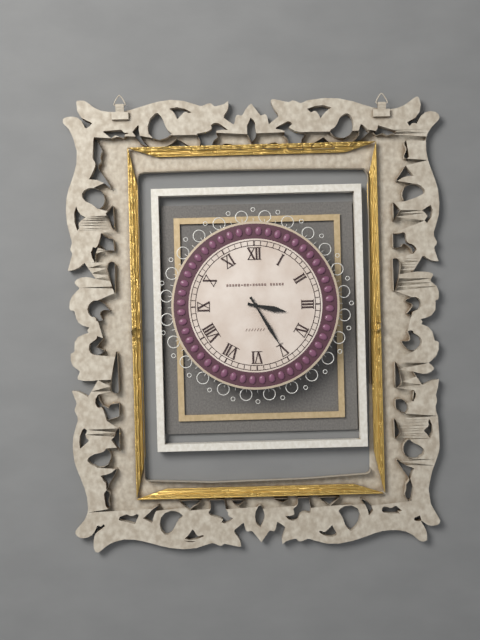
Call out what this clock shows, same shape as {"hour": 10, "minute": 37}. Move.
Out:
{"hour": 3, "minute": 25}
